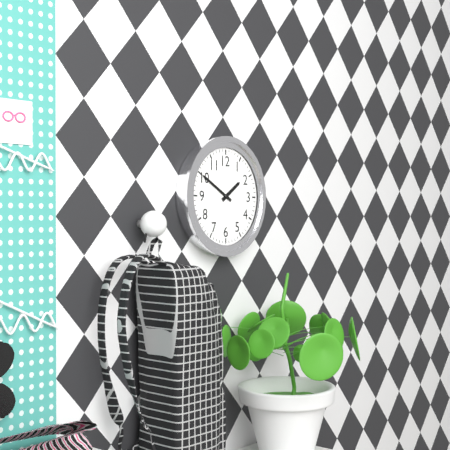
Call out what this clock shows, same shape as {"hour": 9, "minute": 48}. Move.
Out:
{"hour": 1, "minute": 50}
